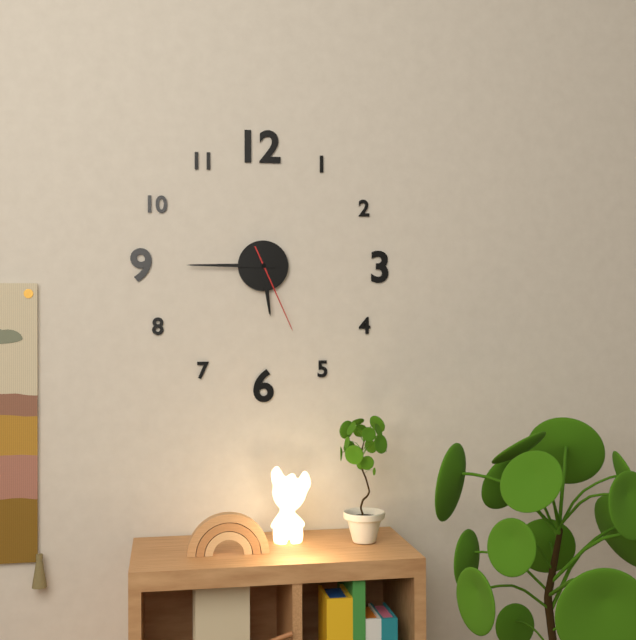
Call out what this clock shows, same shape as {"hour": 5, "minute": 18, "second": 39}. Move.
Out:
{"hour": 5, "minute": 45, "second": 26}
